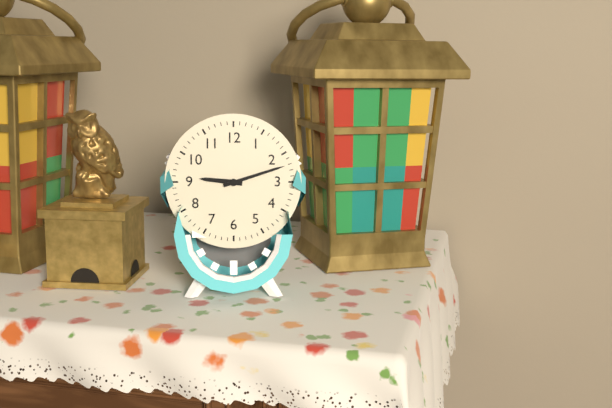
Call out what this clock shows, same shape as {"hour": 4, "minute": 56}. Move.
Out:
{"hour": 9, "minute": 12}
